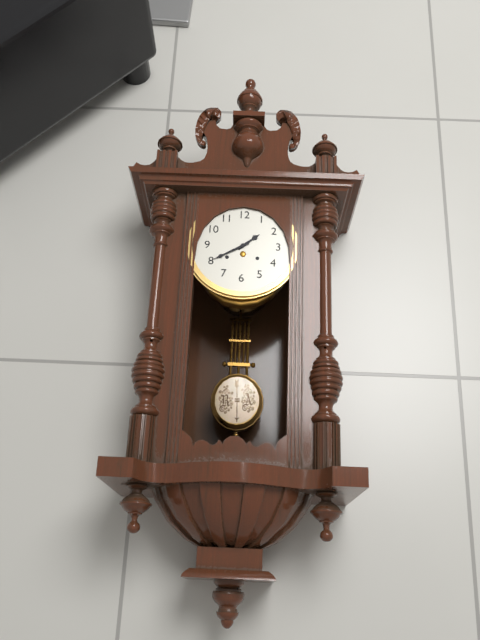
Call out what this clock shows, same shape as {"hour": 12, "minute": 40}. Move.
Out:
{"hour": 1, "minute": 40}
